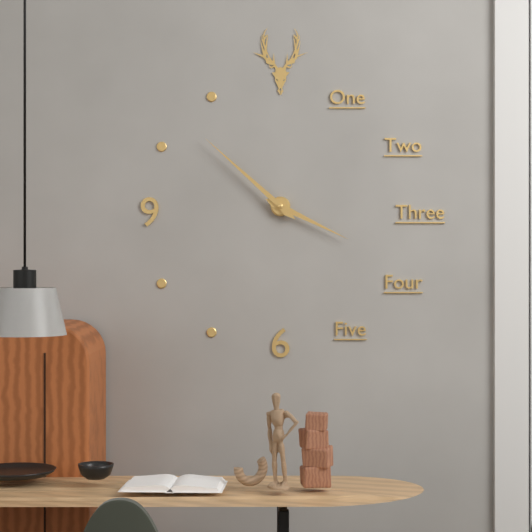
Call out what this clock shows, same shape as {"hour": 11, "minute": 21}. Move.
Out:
{"hour": 3, "minute": 52}
